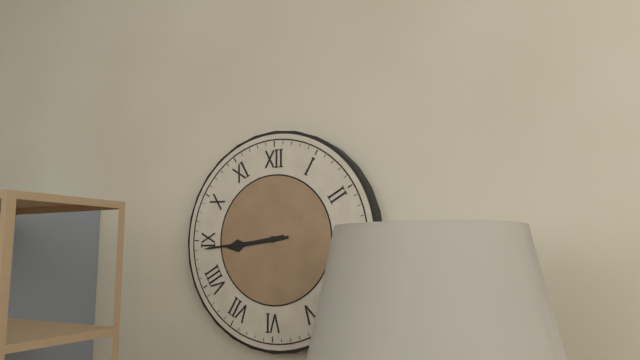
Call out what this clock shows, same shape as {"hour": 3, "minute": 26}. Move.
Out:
{"hour": 8, "minute": 44}
